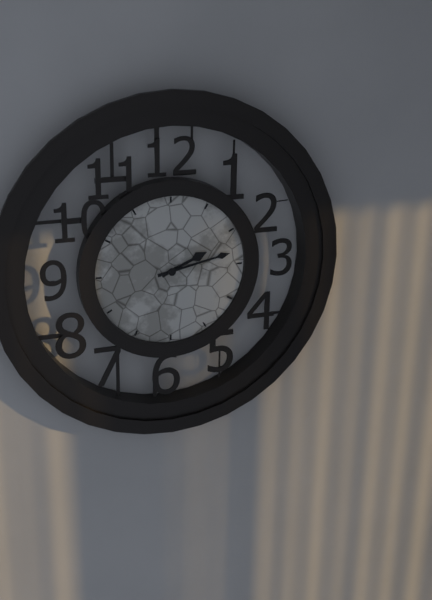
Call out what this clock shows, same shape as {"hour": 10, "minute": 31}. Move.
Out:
{"hour": 2, "minute": 13}
